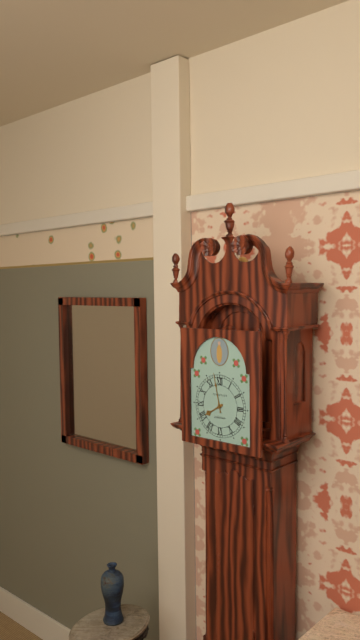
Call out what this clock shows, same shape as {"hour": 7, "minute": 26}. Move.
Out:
{"hour": 7, "minute": 58}
